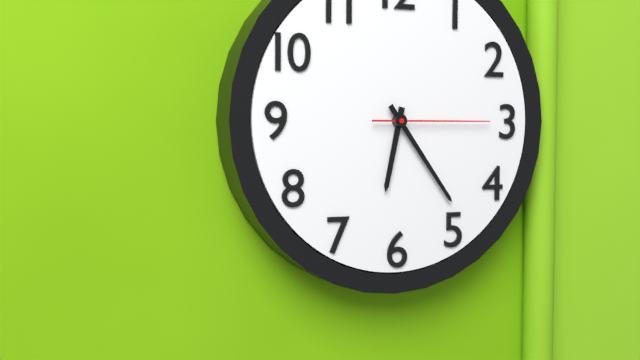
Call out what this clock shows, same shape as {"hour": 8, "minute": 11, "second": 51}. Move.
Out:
{"hour": 6, "minute": 24, "second": 15}
